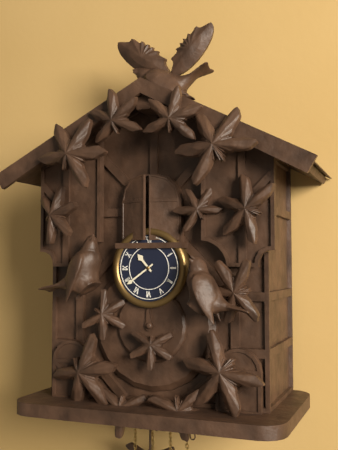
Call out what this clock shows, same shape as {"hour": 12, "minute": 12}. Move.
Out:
{"hour": 10, "minute": 39}
